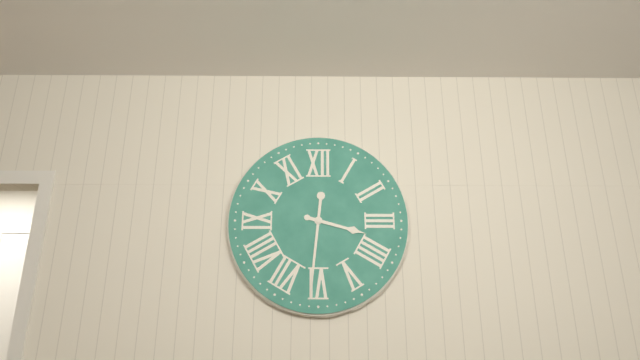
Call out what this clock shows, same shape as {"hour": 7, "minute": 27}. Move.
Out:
{"hour": 3, "minute": 31}
